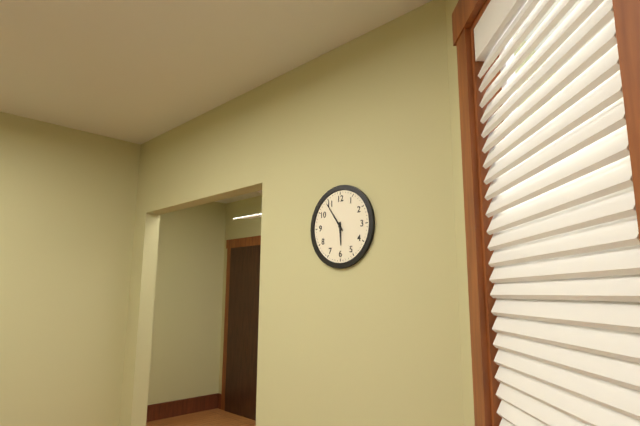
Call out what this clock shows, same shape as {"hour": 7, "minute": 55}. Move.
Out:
{"hour": 5, "minute": 54}
